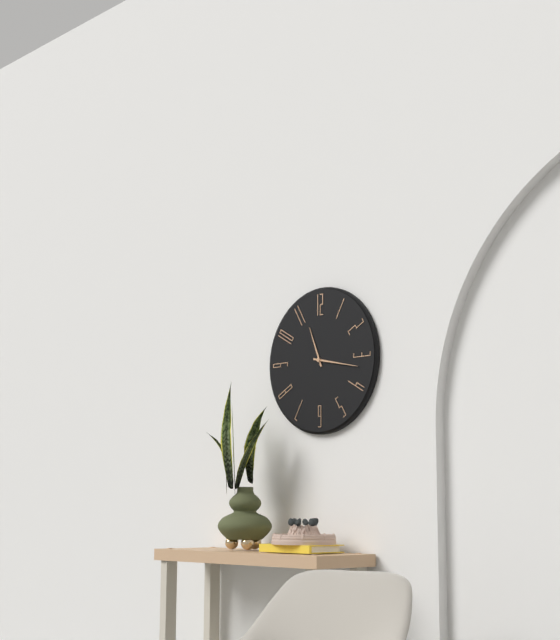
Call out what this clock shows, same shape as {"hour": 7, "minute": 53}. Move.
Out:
{"hour": 11, "minute": 17}
